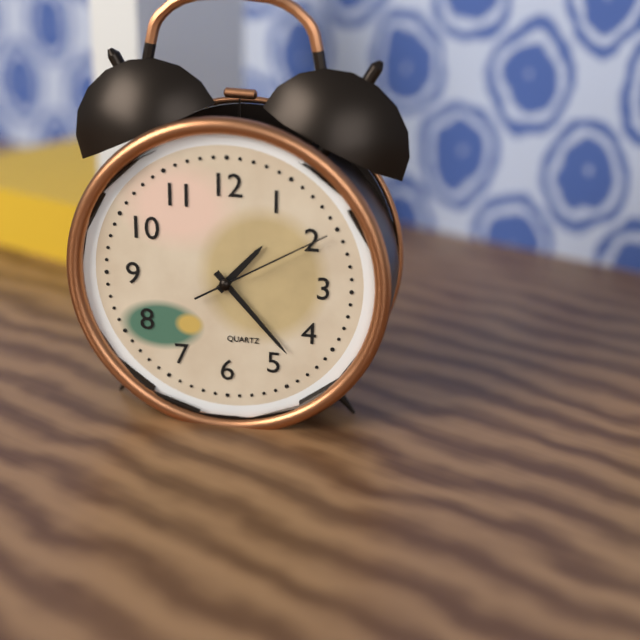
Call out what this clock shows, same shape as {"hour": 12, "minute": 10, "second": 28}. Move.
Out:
{"hour": 1, "minute": 23, "second": 10}
